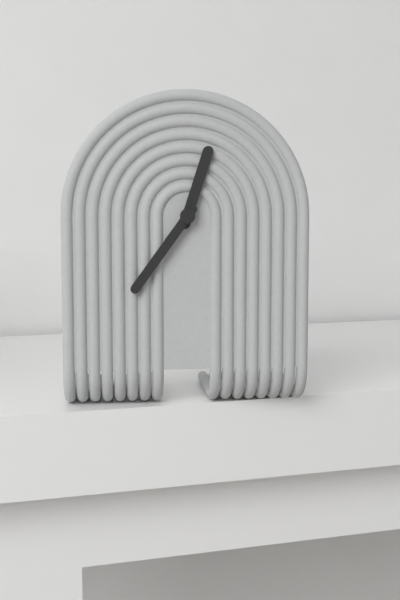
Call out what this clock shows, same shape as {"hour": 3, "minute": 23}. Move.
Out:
{"hour": 12, "minute": 36}
